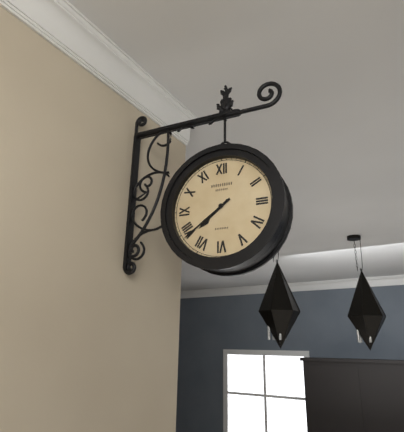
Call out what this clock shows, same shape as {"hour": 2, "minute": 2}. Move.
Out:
{"hour": 7, "minute": 39}
